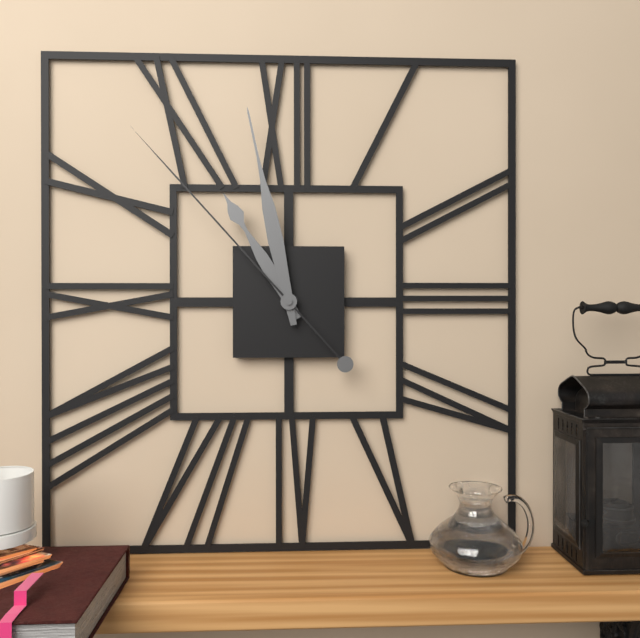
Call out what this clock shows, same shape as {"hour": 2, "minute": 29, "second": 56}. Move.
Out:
{"hour": 10, "minute": 58, "second": 53}
